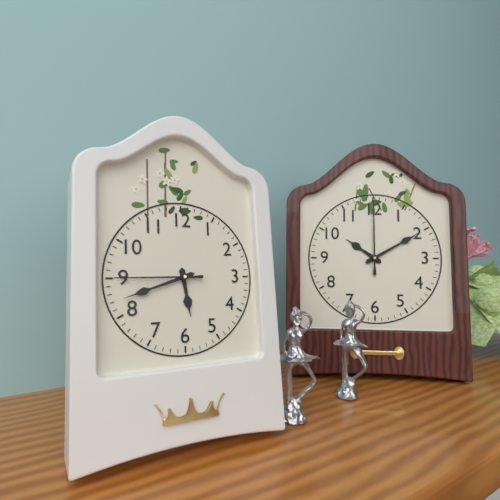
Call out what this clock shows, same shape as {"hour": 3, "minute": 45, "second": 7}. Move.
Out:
{"hour": 5, "minute": 42, "second": 45}
